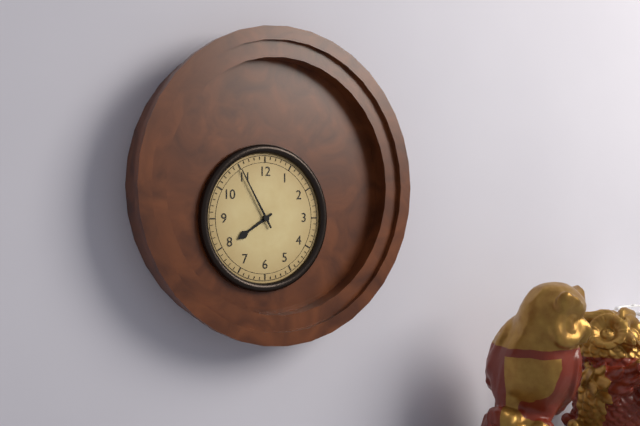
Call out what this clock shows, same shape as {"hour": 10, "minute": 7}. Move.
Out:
{"hour": 7, "minute": 55}
